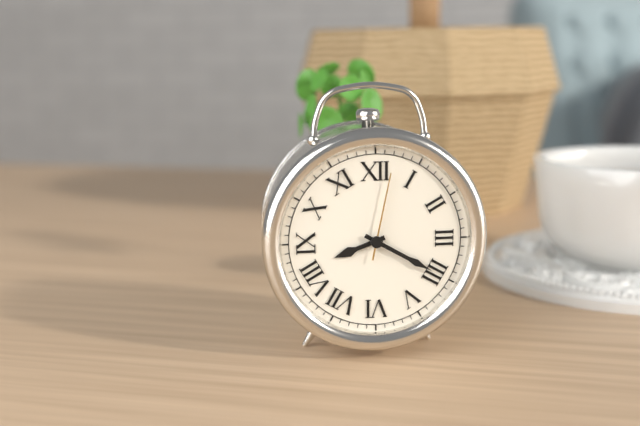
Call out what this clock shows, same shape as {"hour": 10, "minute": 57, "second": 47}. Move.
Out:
{"hour": 8, "minute": 20, "second": 2}
